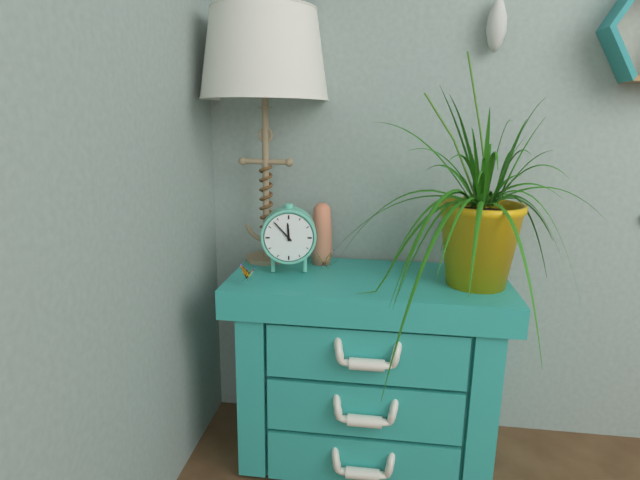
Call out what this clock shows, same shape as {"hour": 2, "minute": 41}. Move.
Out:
{"hour": 11, "minute": 53}
